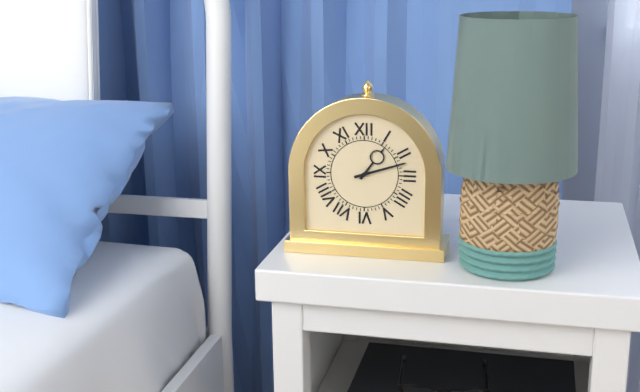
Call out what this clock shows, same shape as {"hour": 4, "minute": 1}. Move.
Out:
{"hour": 1, "minute": 12}
